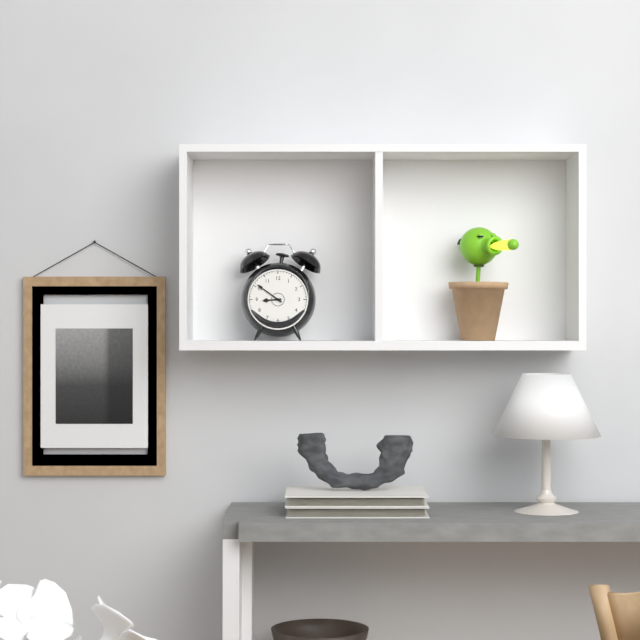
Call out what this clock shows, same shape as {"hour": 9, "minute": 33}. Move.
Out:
{"hour": 8, "minute": 51}
